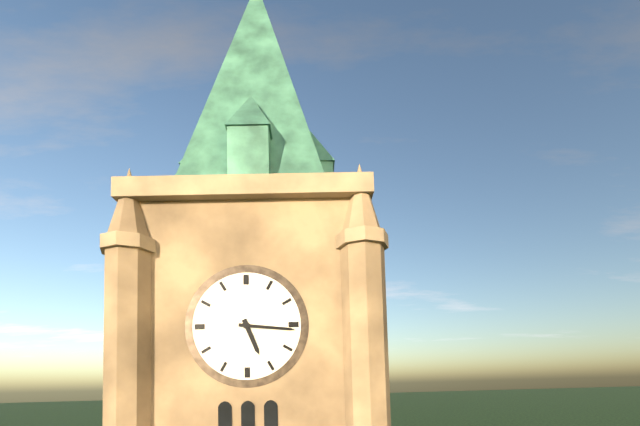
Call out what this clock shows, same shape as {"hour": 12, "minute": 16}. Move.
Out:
{"hour": 5, "minute": 16}
